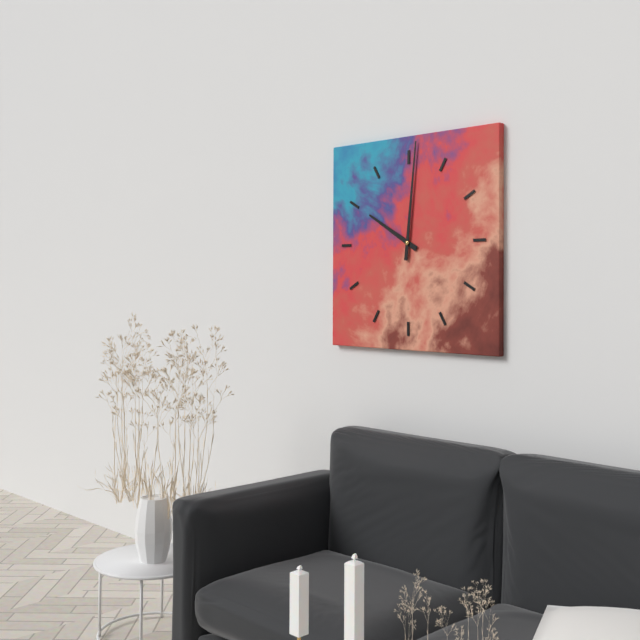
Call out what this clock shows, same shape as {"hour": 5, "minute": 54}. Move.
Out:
{"hour": 10, "minute": 1}
